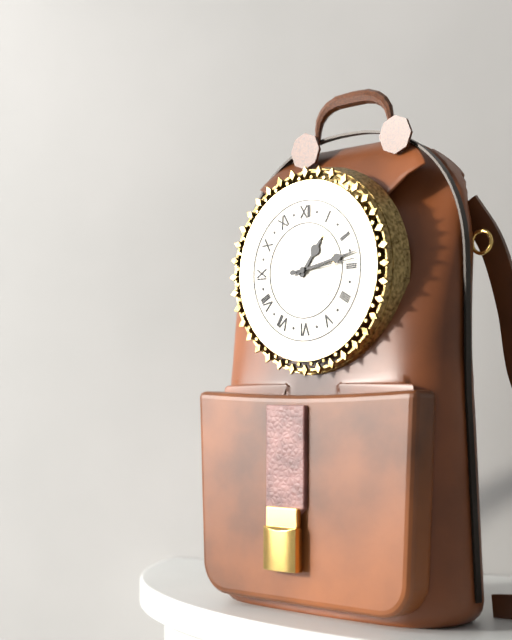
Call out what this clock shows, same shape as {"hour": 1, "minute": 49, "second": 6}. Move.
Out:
{"hour": 1, "minute": 13, "second": 14}
